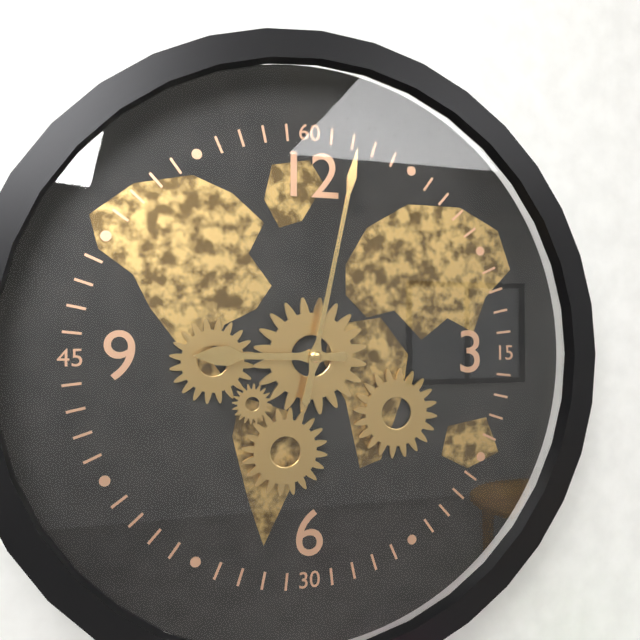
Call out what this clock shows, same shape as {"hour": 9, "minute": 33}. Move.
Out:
{"hour": 9, "minute": 2}
